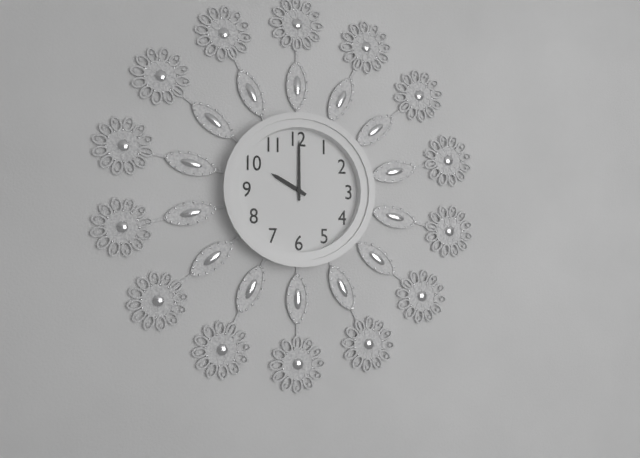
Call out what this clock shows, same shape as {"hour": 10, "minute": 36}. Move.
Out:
{"hour": 10, "minute": 0}
